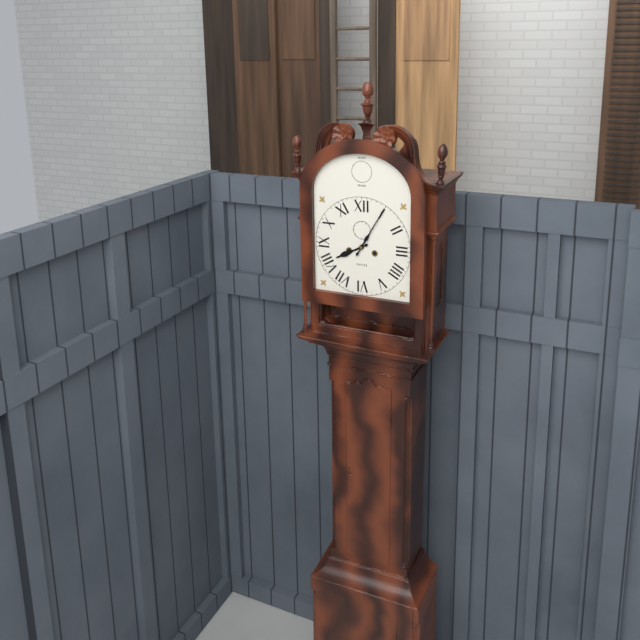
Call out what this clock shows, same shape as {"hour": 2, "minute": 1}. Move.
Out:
{"hour": 8, "minute": 5}
